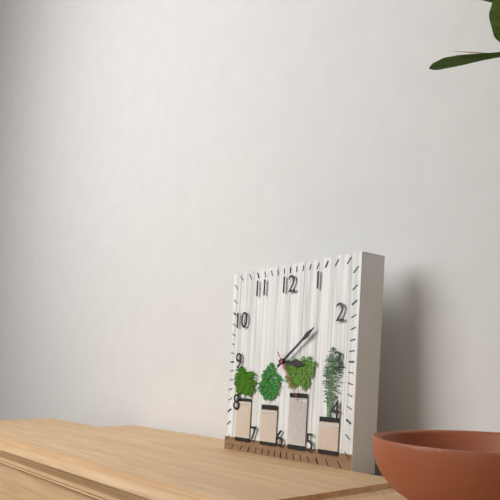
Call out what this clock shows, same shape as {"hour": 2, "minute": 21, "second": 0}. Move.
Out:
{"hour": 3, "minute": 9, "second": 24}
